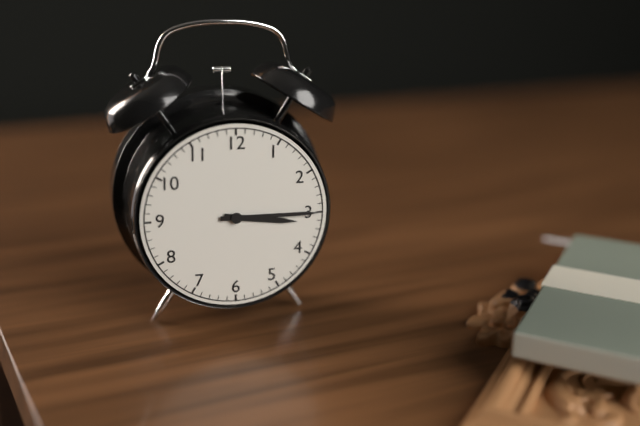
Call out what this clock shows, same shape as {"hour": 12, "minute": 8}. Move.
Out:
{"hour": 3, "minute": 15}
